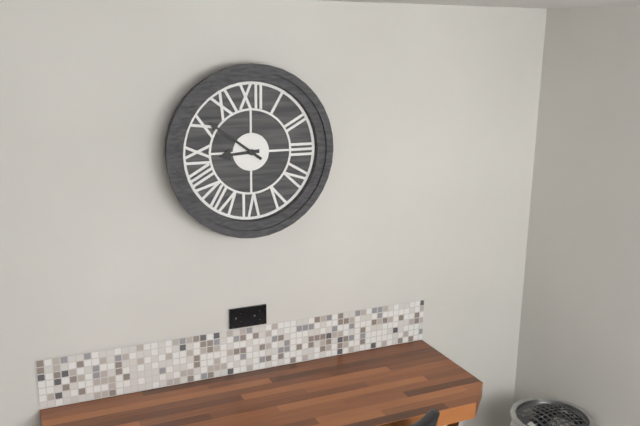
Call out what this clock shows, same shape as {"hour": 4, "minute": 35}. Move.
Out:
{"hour": 8, "minute": 51}
